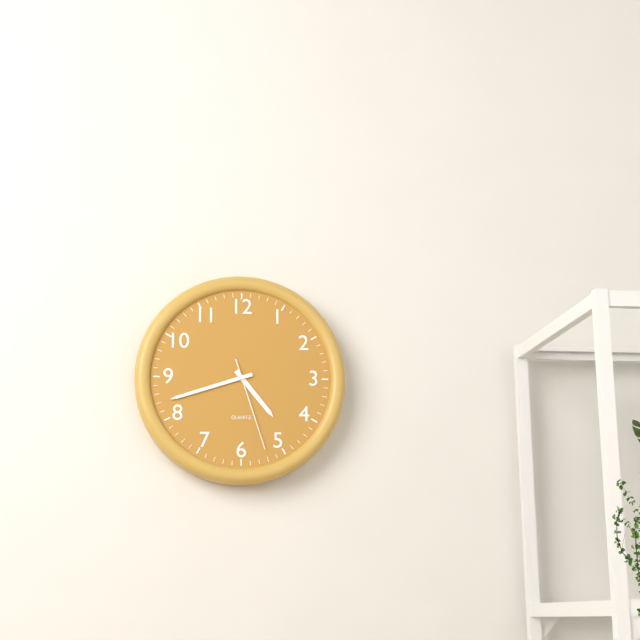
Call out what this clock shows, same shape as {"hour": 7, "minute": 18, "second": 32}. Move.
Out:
{"hour": 4, "minute": 42, "second": 27}
